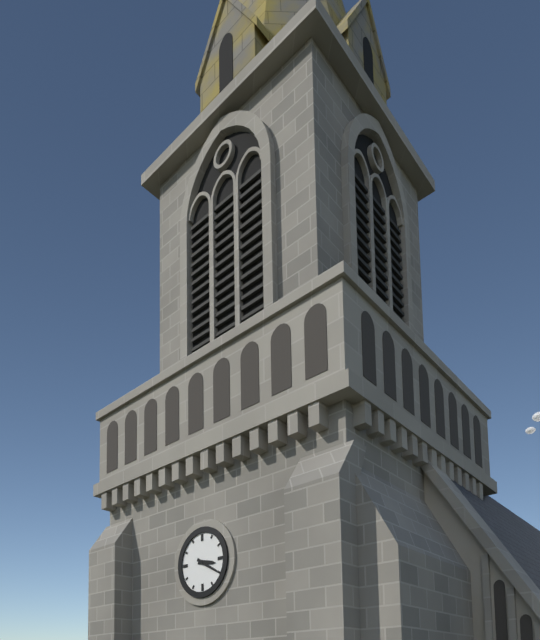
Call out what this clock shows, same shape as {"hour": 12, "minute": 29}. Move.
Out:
{"hour": 3, "minute": 20}
